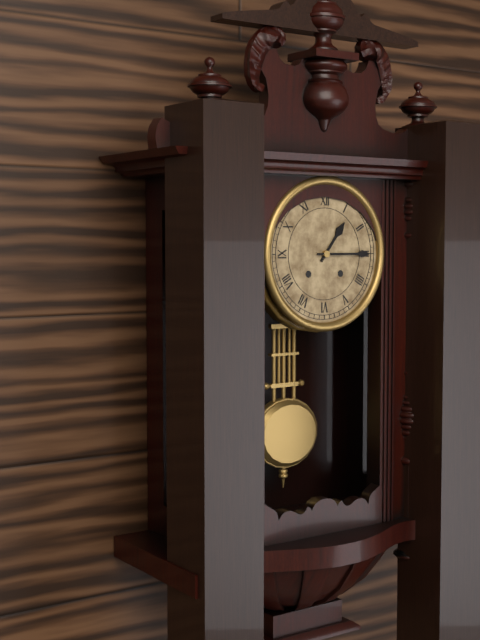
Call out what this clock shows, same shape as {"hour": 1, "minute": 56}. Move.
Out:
{"hour": 1, "minute": 15}
